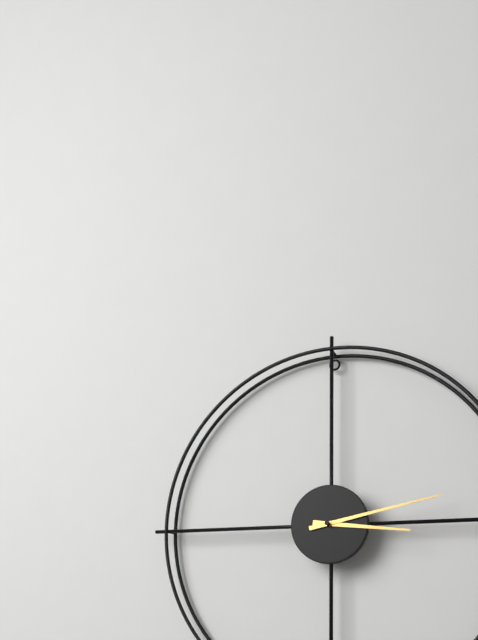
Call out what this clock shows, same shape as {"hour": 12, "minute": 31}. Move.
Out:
{"hour": 3, "minute": 13}
